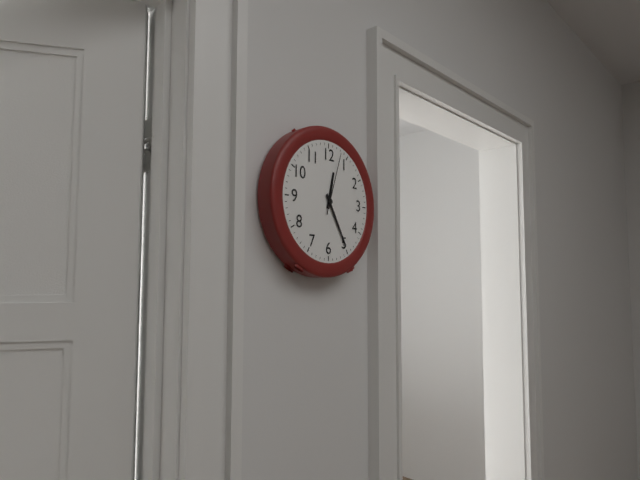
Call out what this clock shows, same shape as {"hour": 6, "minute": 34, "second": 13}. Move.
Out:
{"hour": 12, "minute": 25, "second": 3}
